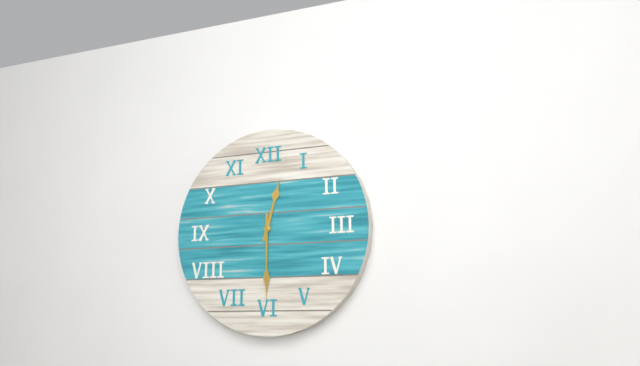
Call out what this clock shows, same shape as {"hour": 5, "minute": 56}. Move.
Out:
{"hour": 12, "minute": 30}
